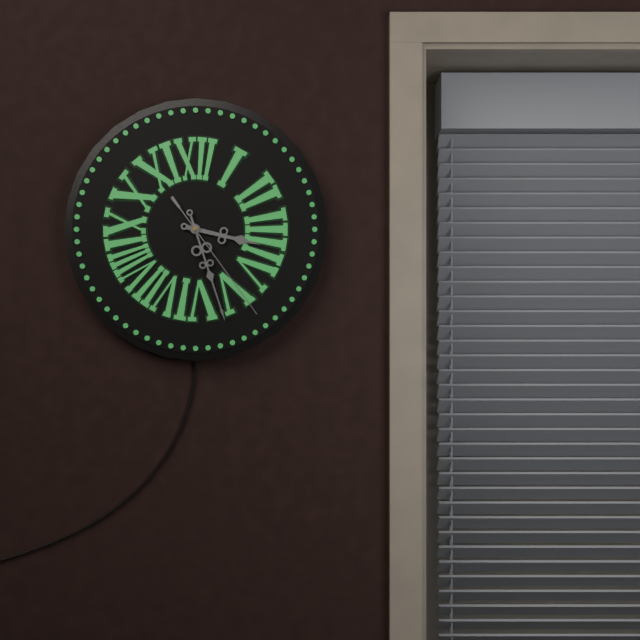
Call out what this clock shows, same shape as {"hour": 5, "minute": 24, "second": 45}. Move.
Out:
{"hour": 3, "minute": 27, "second": 24}
